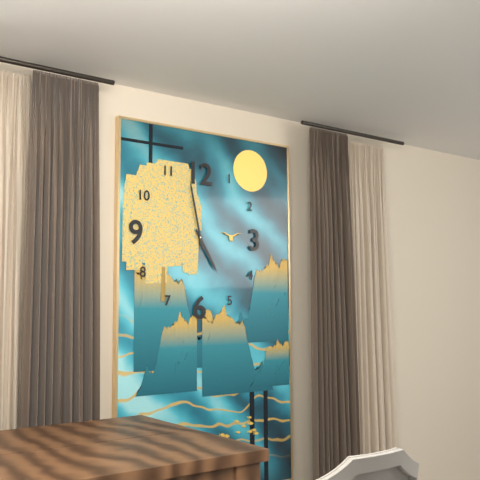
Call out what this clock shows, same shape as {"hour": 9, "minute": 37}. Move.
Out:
{"hour": 4, "minute": 58}
